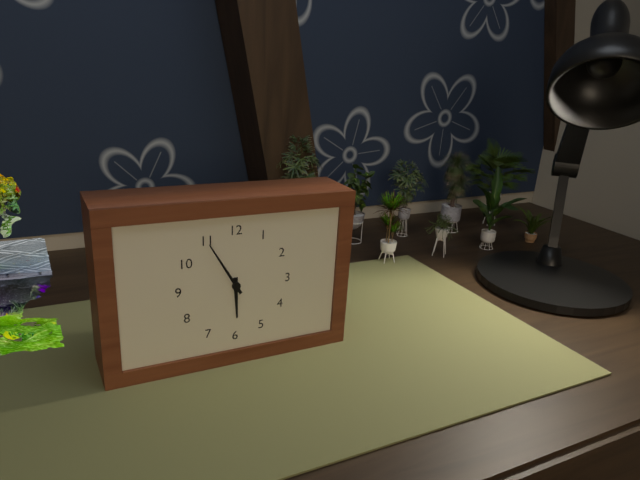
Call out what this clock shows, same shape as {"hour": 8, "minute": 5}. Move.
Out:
{"hour": 5, "minute": 55}
